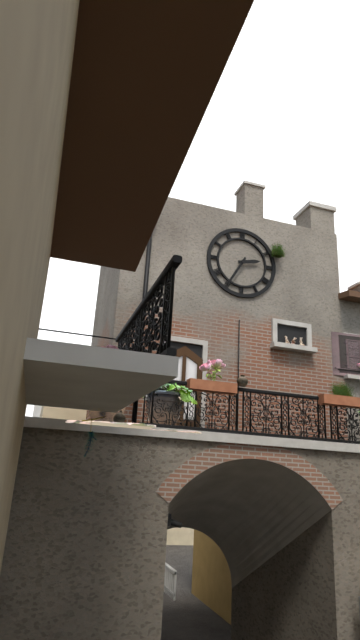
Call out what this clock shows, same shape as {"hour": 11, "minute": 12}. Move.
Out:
{"hour": 2, "minute": 35}
